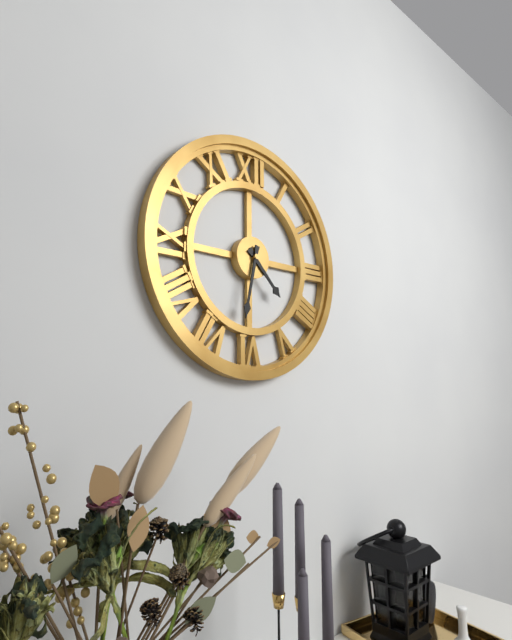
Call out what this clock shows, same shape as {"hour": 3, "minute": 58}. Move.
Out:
{"hour": 4, "minute": 32}
